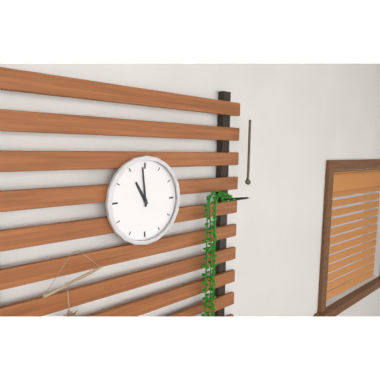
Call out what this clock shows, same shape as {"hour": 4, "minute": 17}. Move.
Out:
{"hour": 10, "minute": 59}
